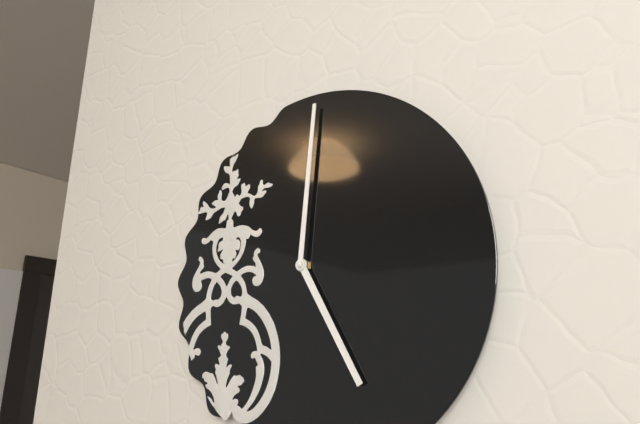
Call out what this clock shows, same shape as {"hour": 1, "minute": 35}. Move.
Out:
{"hour": 5, "minute": 1}
